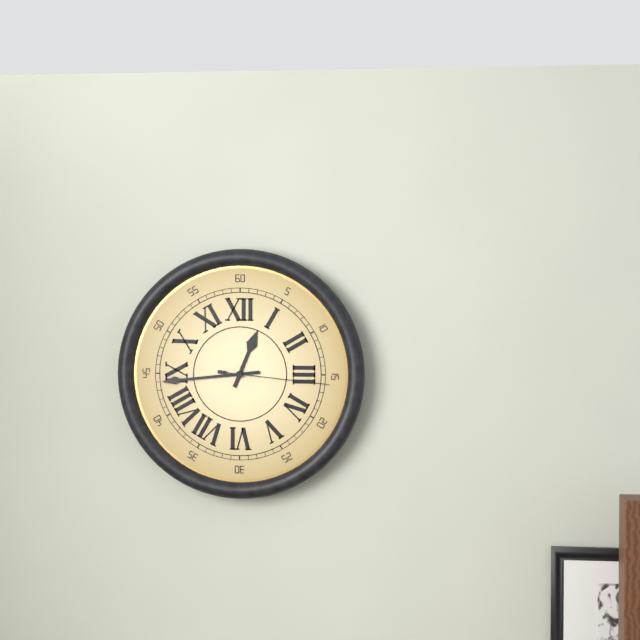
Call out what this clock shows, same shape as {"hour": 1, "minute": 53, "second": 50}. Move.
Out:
{"hour": 12, "minute": 44, "second": 16}
